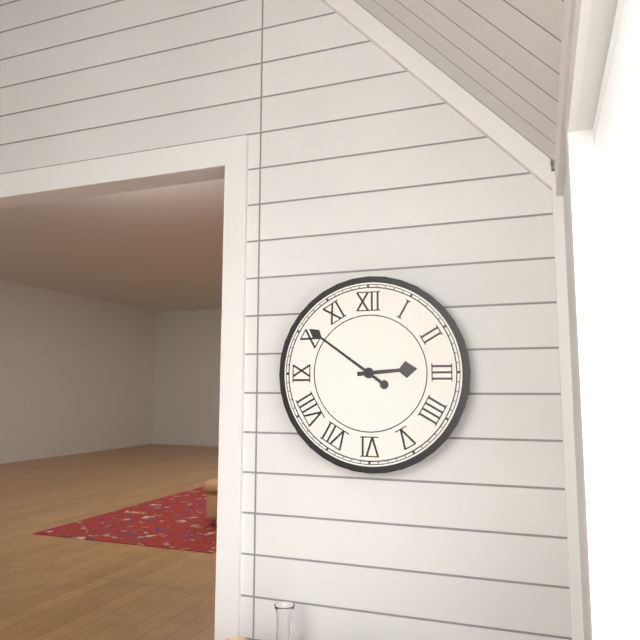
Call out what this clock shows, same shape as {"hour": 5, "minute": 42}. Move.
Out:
{"hour": 2, "minute": 51}
